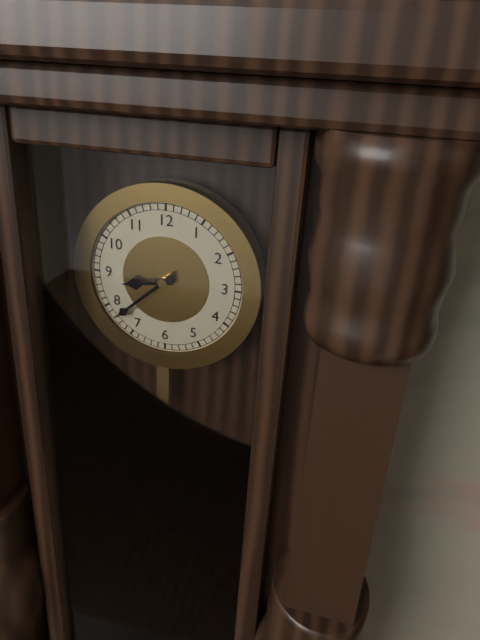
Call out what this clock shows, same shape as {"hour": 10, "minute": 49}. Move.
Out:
{"hour": 8, "minute": 38}
